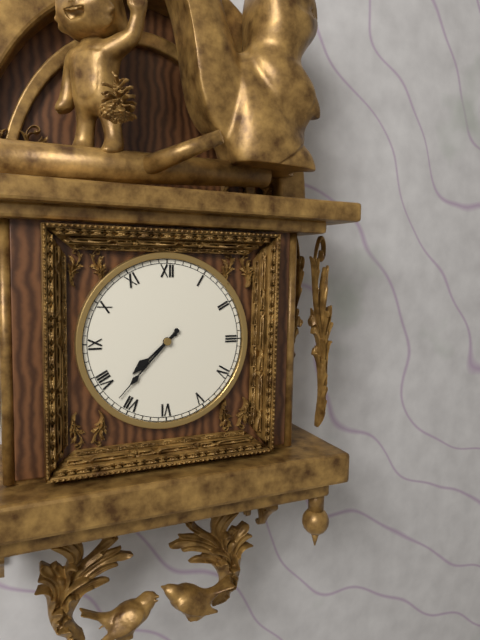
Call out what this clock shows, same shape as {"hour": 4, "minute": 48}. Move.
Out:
{"hour": 7, "minute": 37}
